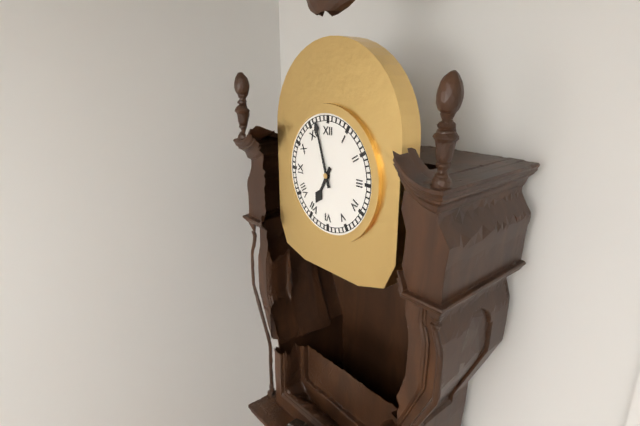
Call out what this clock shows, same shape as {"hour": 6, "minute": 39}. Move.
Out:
{"hour": 6, "minute": 57}
